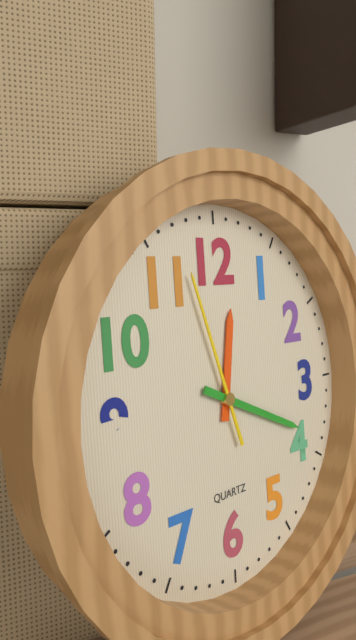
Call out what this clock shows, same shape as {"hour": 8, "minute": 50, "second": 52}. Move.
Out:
{"hour": 12, "minute": 19, "second": 57}
